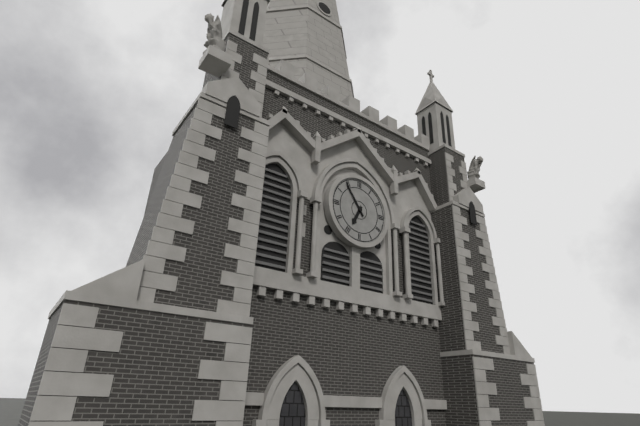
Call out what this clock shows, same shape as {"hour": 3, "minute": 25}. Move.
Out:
{"hour": 6, "minute": 54}
